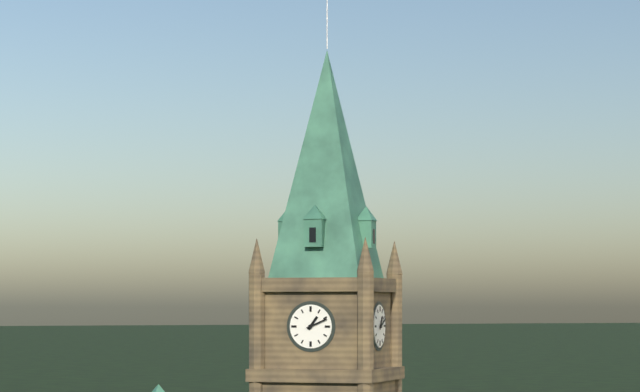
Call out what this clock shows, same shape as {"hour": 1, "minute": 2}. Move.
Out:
{"hour": 1, "minute": 11}
